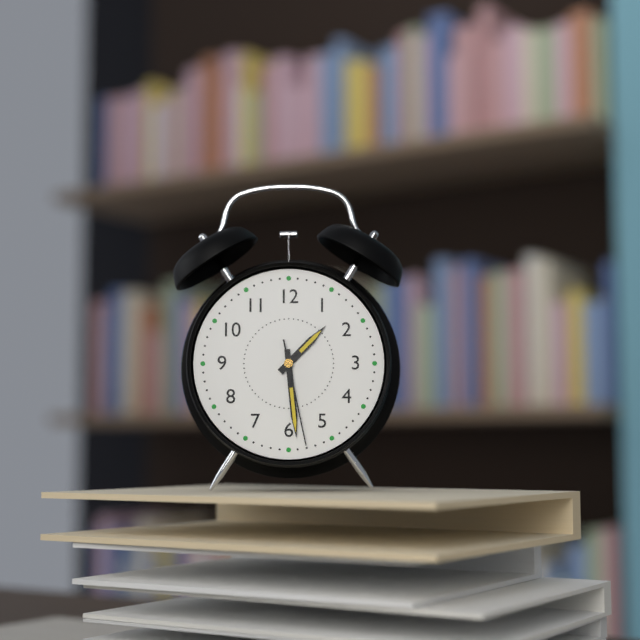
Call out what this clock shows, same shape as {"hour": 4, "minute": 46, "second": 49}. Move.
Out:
{"hour": 1, "minute": 29, "second": 28}
